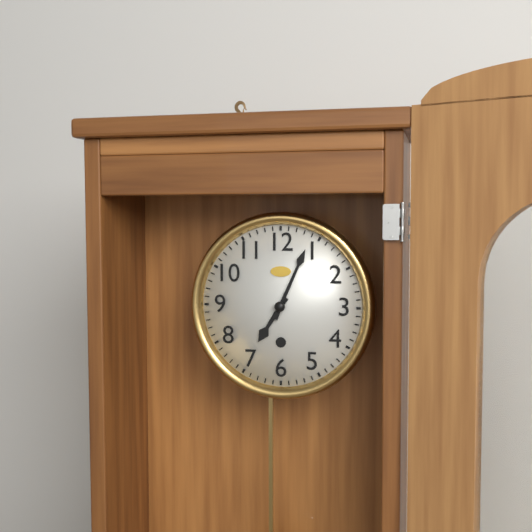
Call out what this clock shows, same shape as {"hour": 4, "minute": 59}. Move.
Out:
{"hour": 7, "minute": 4}
